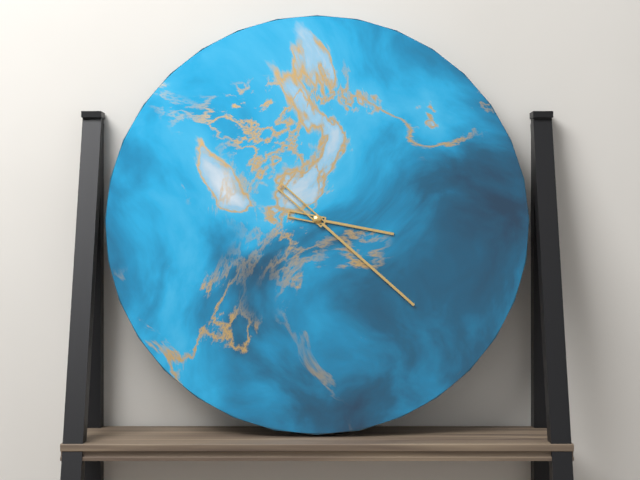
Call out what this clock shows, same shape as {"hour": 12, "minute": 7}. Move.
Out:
{"hour": 3, "minute": 22}
